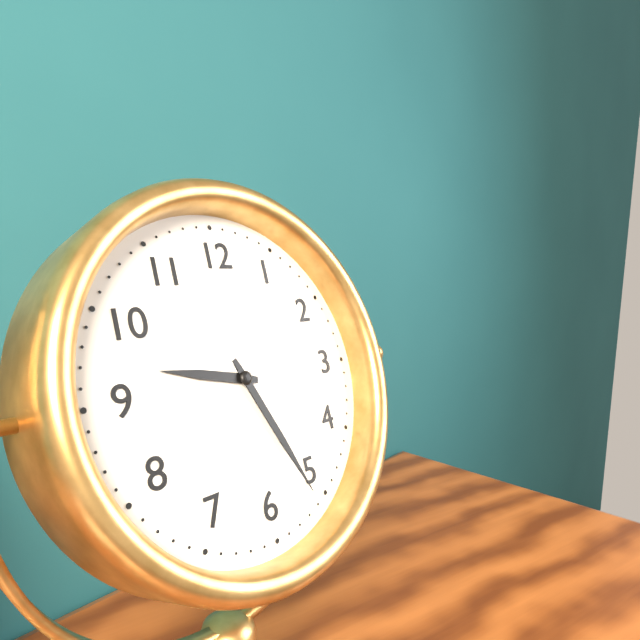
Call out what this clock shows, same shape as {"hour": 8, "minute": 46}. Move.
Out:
{"hour": 9, "minute": 26}
